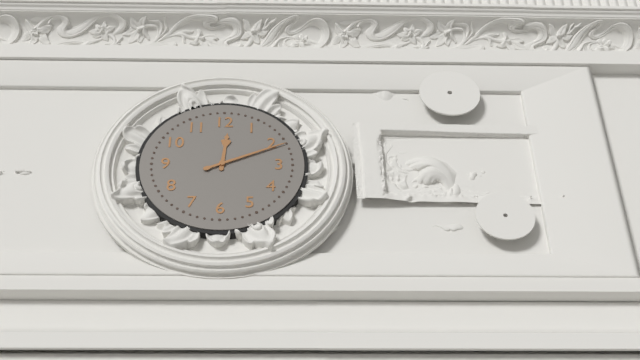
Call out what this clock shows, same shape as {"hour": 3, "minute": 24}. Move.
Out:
{"hour": 12, "minute": 11}
